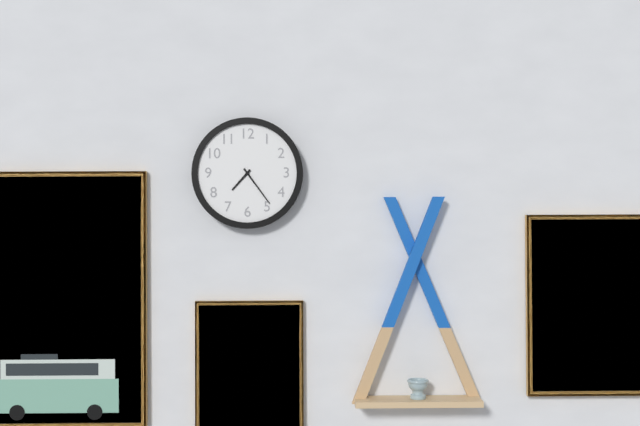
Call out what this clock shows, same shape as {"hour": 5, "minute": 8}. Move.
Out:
{"hour": 7, "minute": 24}
